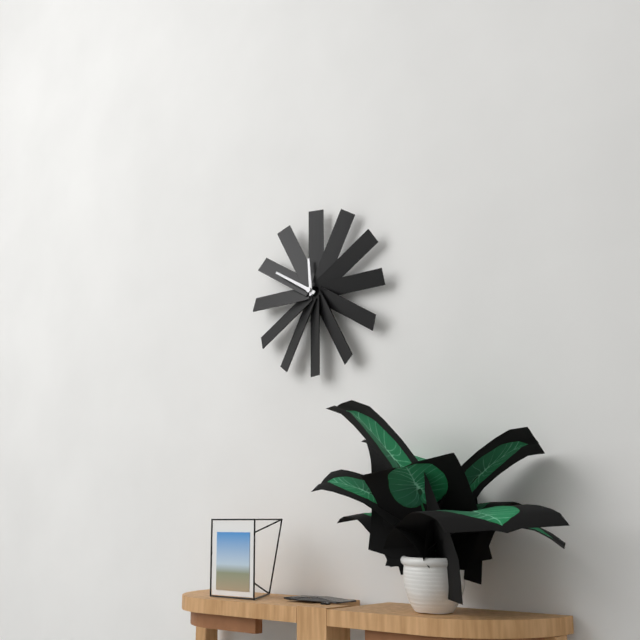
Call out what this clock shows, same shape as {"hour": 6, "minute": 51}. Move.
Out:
{"hour": 11, "minute": 50}
